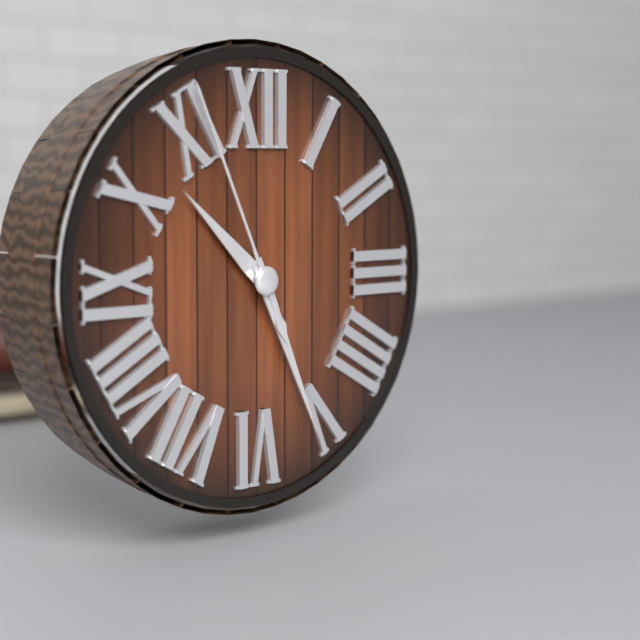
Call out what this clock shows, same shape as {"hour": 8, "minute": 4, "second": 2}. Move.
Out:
{"hour": 10, "minute": 26, "second": 56}
